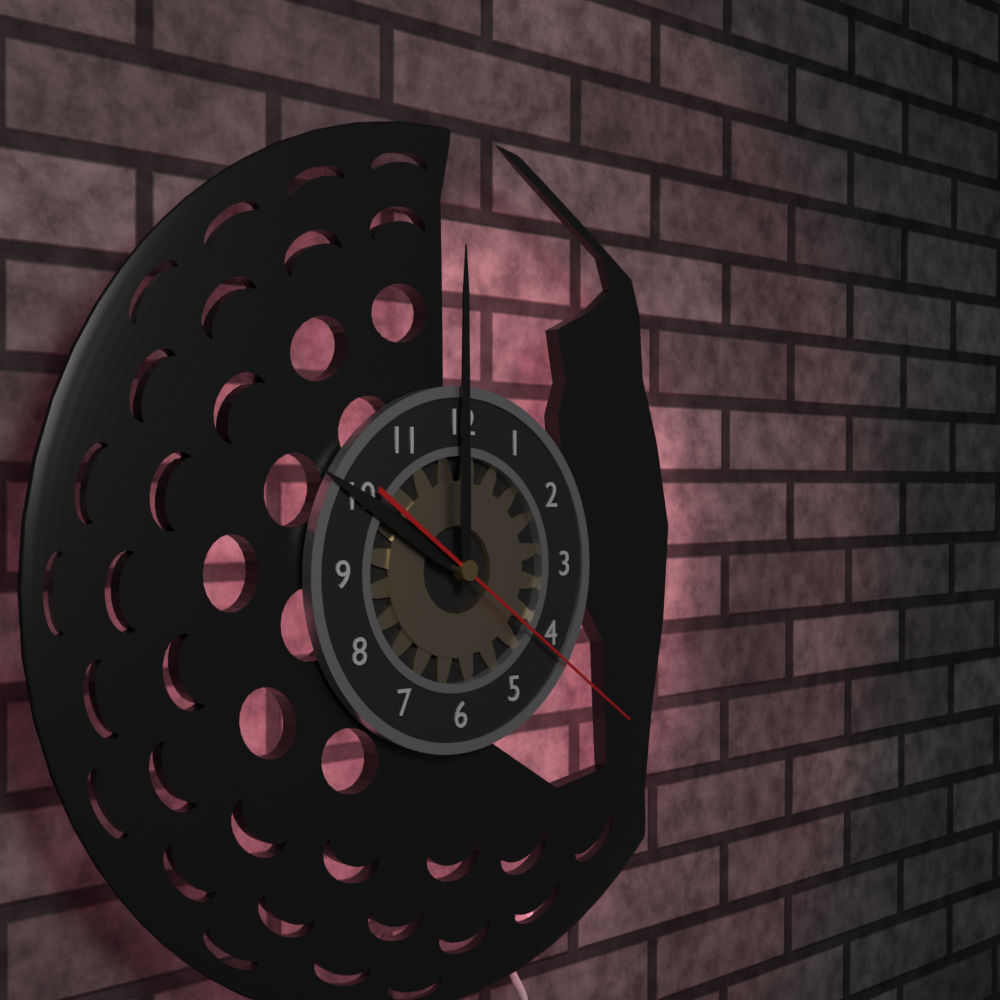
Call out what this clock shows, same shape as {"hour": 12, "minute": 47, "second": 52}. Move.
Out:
{"hour": 10, "minute": 0, "second": 21}
